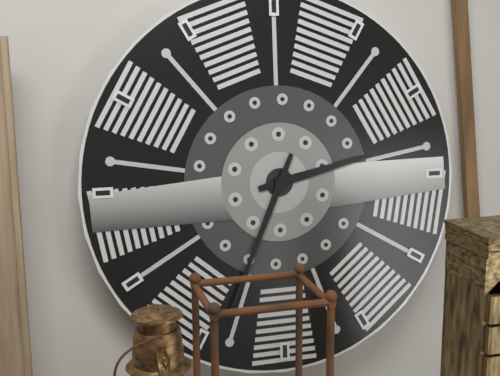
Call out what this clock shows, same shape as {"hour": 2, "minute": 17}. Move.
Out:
{"hour": 2, "minute": 34}
